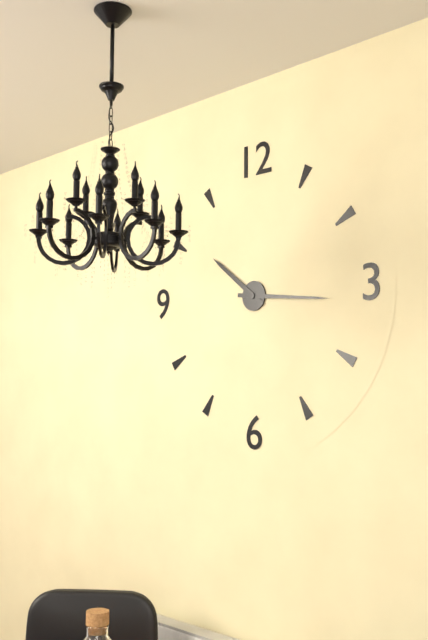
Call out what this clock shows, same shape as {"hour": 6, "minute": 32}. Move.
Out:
{"hour": 10, "minute": 16}
